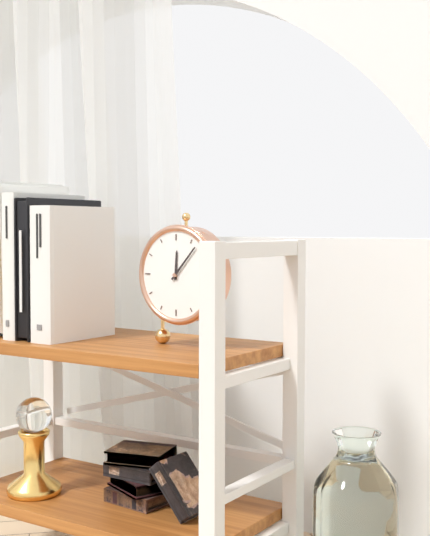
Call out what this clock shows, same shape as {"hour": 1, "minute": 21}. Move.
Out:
{"hour": 12, "minute": 7}
